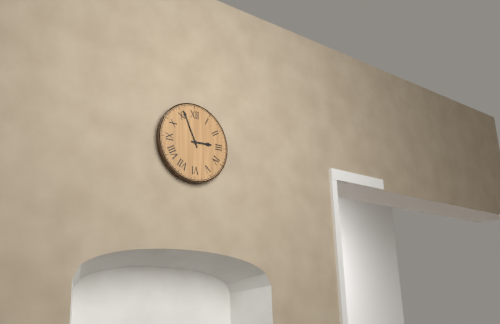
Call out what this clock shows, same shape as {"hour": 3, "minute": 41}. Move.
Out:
{"hour": 2, "minute": 56}
